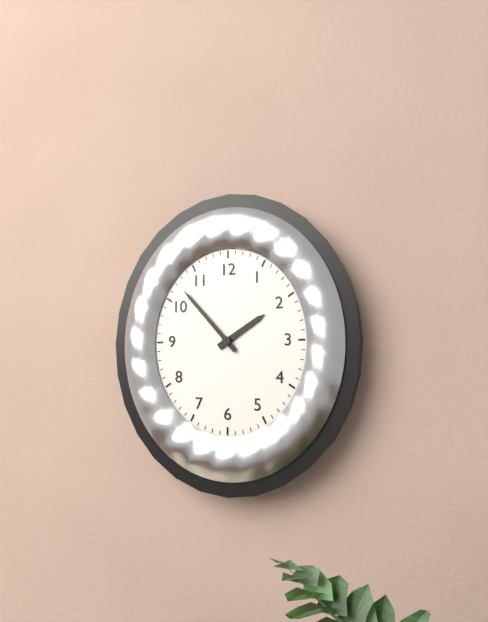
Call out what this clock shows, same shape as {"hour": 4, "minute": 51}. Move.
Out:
{"hour": 1, "minute": 53}
